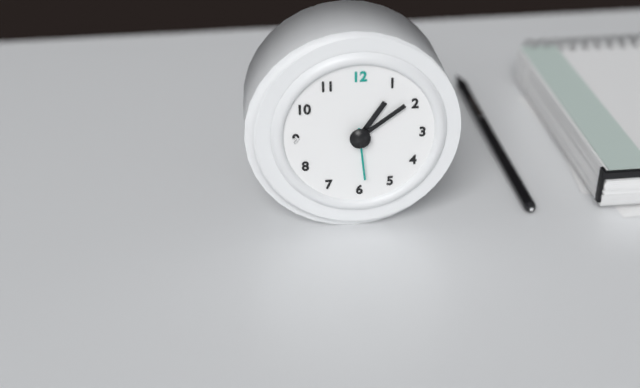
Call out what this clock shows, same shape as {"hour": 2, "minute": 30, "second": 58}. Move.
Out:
{"hour": 1, "minute": 9, "second": 29}
